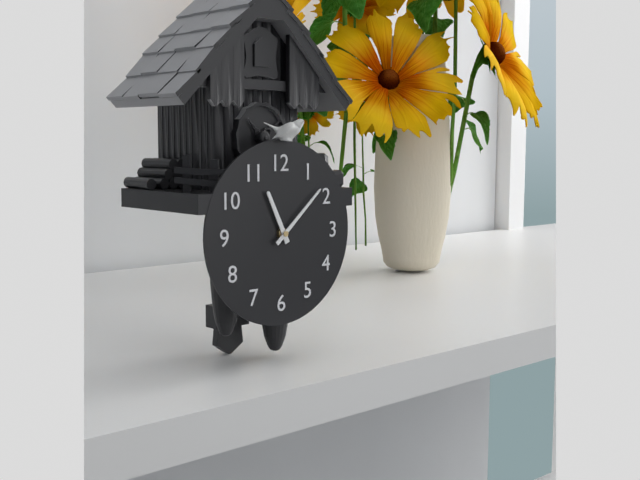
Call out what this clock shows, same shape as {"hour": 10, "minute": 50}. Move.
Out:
{"hour": 11, "minute": 8}
